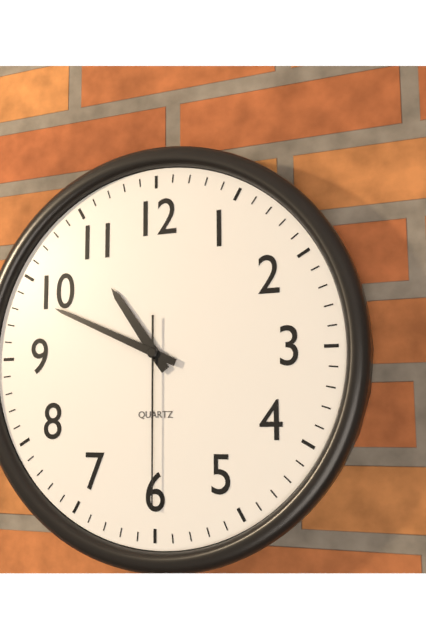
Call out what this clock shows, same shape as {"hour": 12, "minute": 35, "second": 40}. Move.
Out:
{"hour": 10, "minute": 49, "second": 30}
